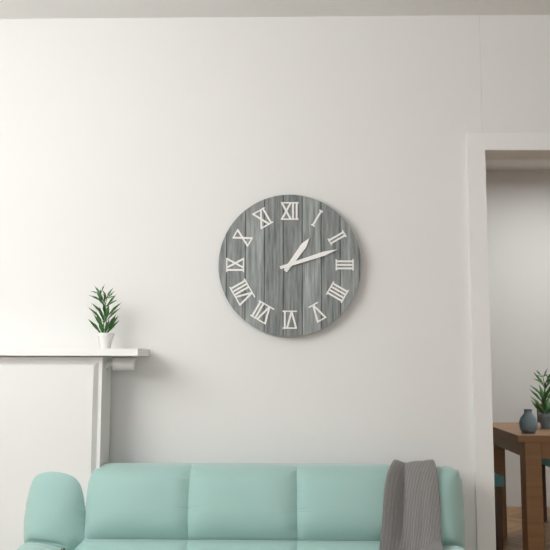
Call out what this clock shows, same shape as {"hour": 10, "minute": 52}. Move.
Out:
{"hour": 1, "minute": 12}
